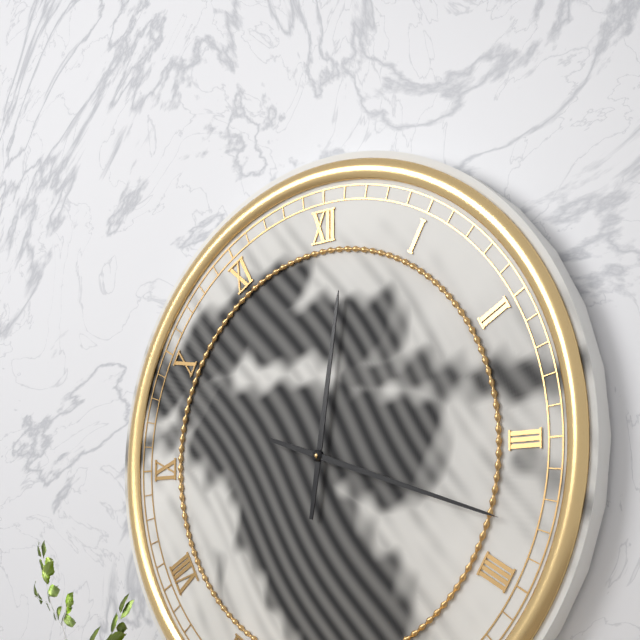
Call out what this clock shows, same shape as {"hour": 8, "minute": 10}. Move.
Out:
{"hour": 12, "minute": 18}
